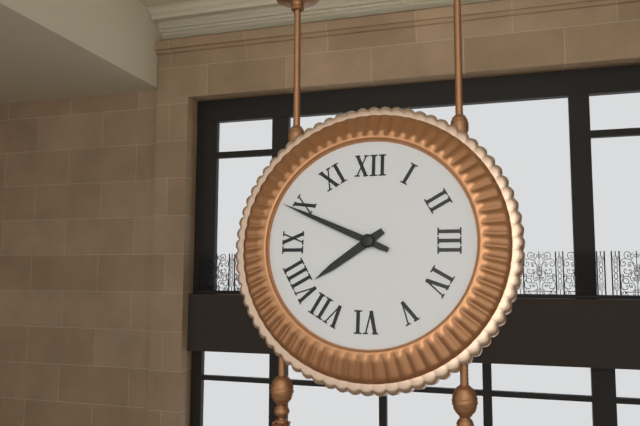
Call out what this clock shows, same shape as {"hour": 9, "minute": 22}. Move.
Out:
{"hour": 7, "minute": 49}
